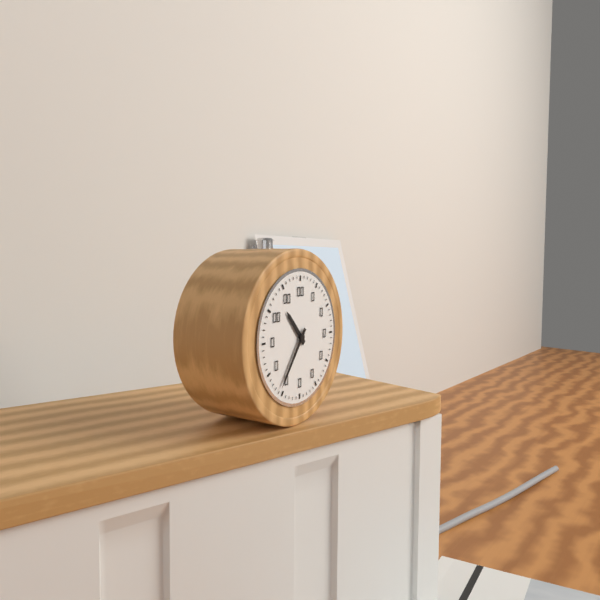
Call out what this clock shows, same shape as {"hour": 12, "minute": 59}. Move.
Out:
{"hour": 10, "minute": 36}
